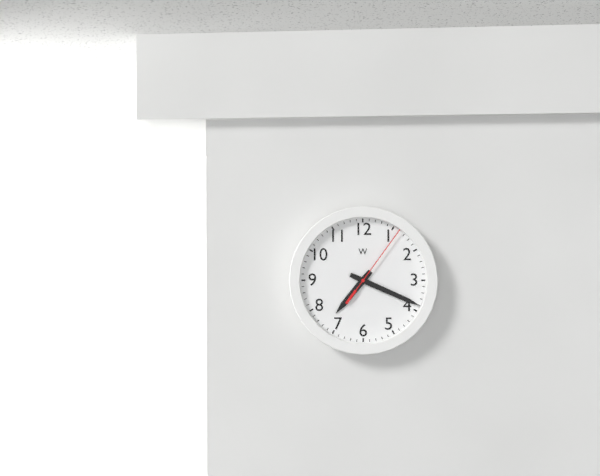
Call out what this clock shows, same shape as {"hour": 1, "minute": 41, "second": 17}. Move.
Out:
{"hour": 7, "minute": 19, "second": 6}
